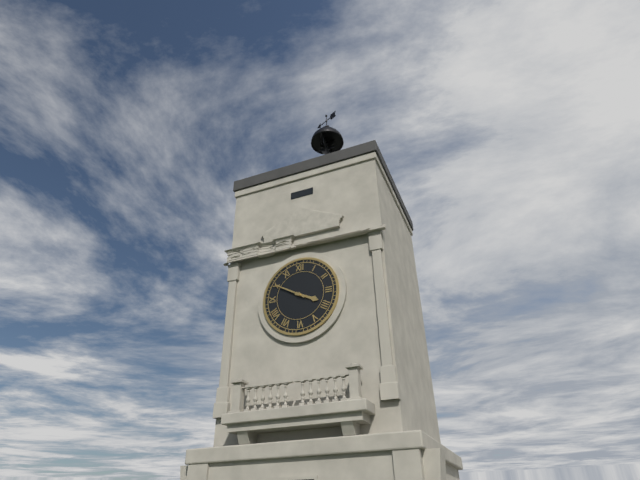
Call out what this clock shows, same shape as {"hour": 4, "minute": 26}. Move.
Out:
{"hour": 3, "minute": 50}
